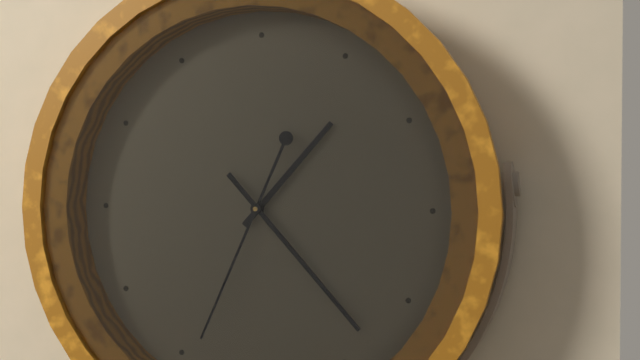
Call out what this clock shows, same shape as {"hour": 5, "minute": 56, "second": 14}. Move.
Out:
{"hour": 1, "minute": 23, "second": 34}
